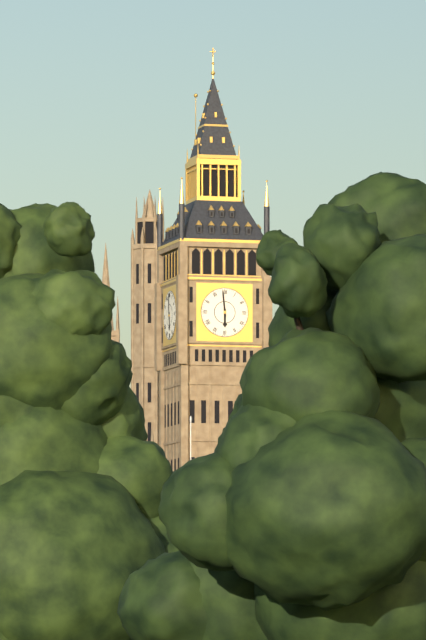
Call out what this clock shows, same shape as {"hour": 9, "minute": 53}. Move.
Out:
{"hour": 5, "minute": 59}
